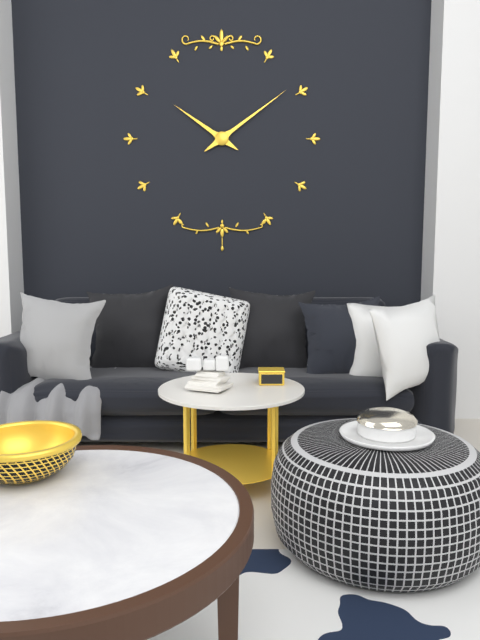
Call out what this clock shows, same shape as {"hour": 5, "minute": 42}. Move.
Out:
{"hour": 10, "minute": 9}
